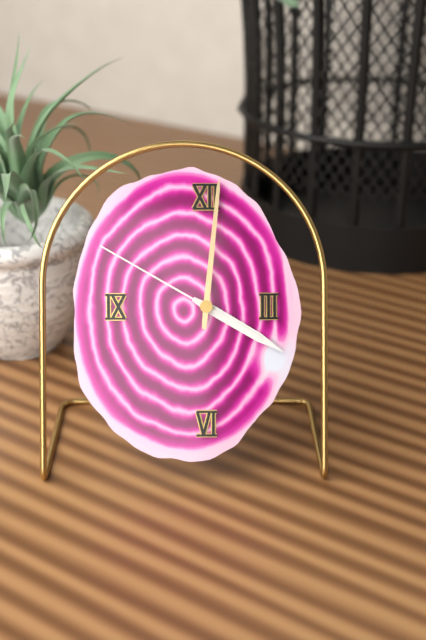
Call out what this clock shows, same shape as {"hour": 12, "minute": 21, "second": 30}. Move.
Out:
{"hour": 4, "minute": 1, "second": 50}
